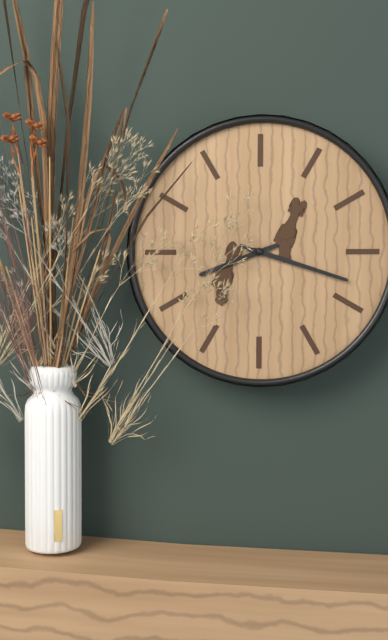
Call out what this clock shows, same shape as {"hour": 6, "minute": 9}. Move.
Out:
{"hour": 8, "minute": 18}
